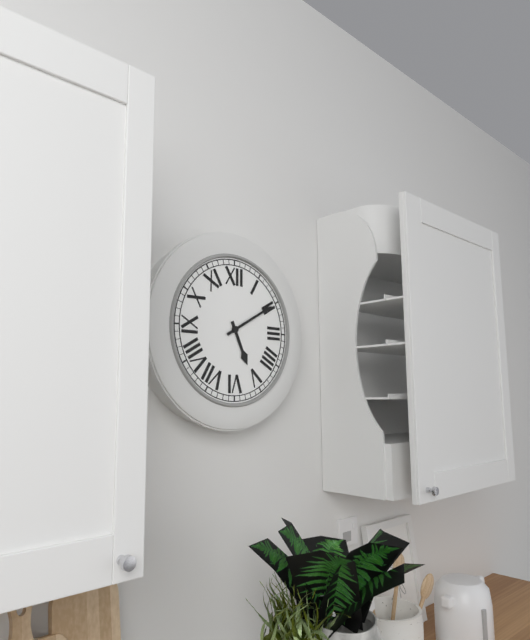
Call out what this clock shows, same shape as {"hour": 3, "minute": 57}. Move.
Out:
{"hour": 5, "minute": 10}
